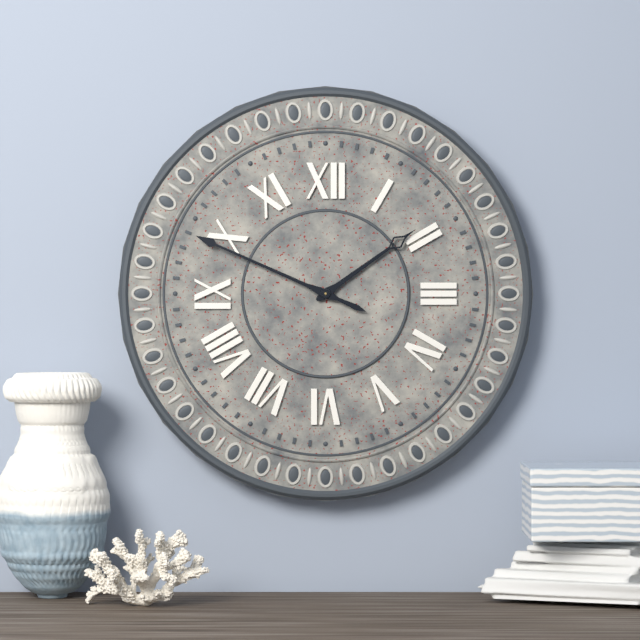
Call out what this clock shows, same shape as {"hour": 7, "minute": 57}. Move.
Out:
{"hour": 1, "minute": 49}
